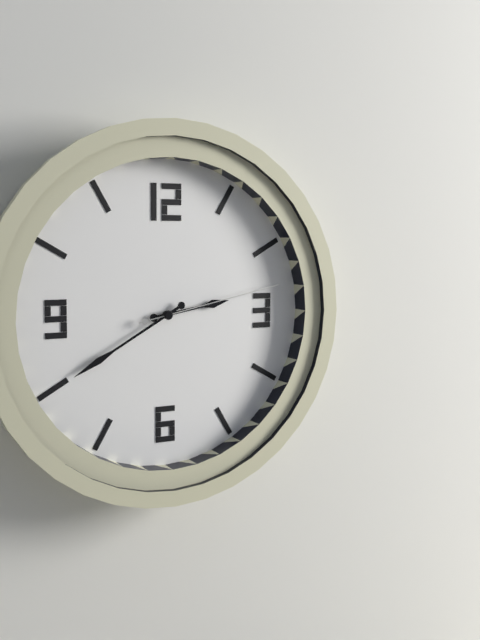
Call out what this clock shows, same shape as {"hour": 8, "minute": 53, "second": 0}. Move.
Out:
{"hour": 2, "minute": 40, "second": 13}
